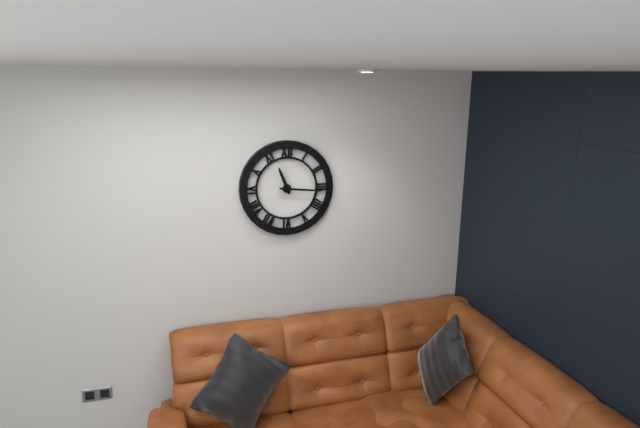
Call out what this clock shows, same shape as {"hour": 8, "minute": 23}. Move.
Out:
{"hour": 11, "minute": 16}
